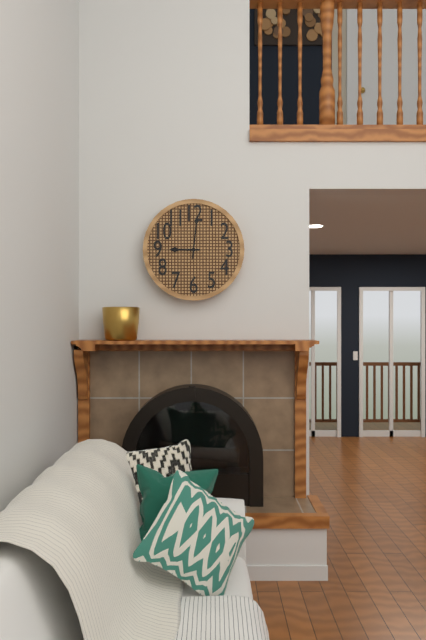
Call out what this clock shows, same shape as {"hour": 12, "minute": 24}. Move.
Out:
{"hour": 9, "minute": 1}
